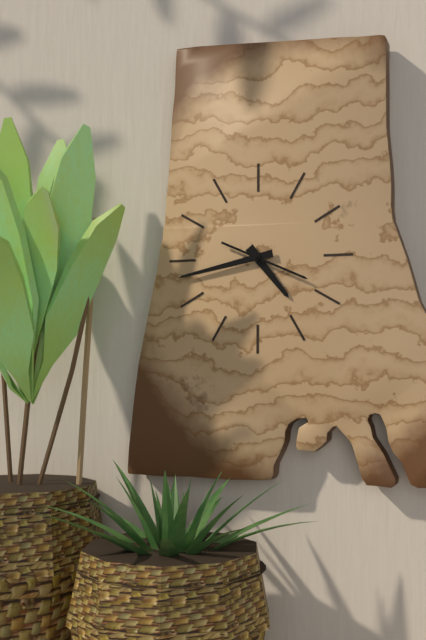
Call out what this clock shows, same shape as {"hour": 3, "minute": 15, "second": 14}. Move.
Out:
{"hour": 4, "minute": 43, "second": 19}
